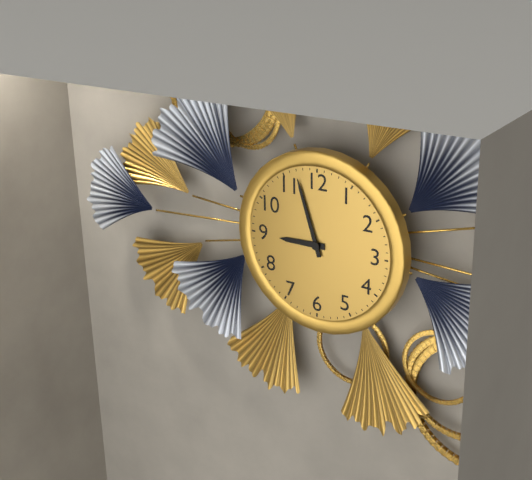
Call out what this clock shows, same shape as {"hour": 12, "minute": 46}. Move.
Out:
{"hour": 8, "minute": 57}
